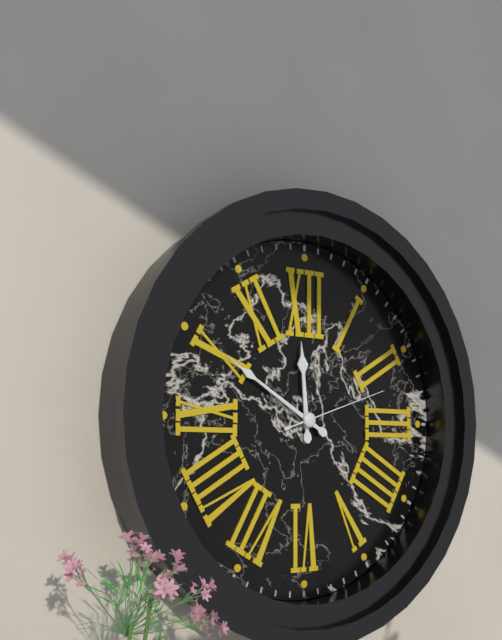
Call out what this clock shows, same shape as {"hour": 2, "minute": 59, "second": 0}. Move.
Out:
{"hour": 11, "minute": 50, "second": 12}
